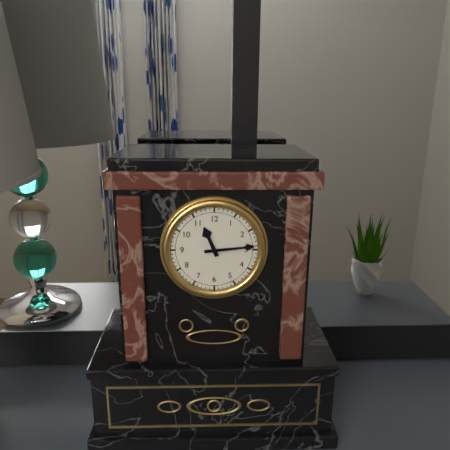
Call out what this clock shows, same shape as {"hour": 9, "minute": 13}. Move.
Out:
{"hour": 11, "minute": 14}
